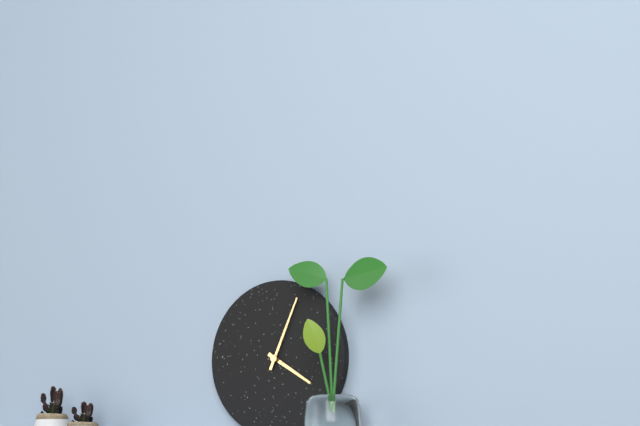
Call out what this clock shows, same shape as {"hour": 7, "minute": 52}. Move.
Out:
{"hour": 4, "minute": 4}
